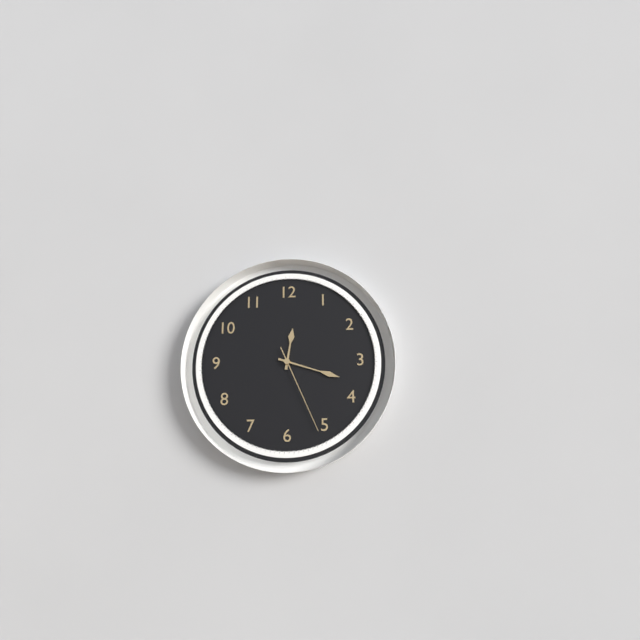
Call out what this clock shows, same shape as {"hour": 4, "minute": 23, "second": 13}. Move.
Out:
{"hour": 12, "minute": 18, "second": 26}
